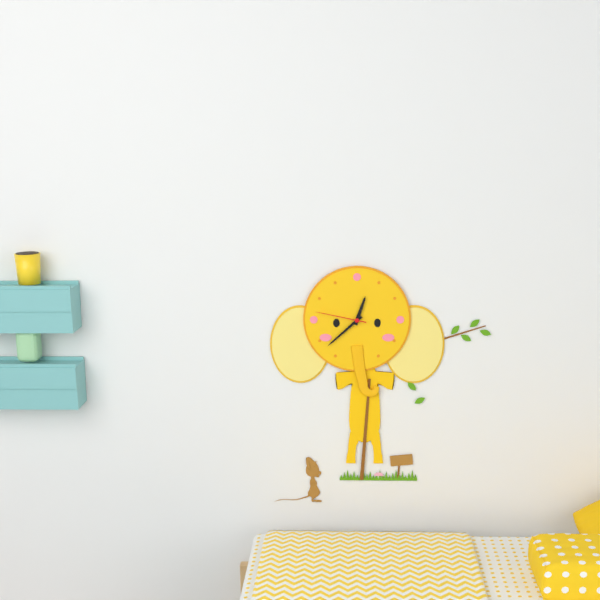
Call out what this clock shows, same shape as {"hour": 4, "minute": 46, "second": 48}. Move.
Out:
{"hour": 12, "minute": 38, "second": 47}
